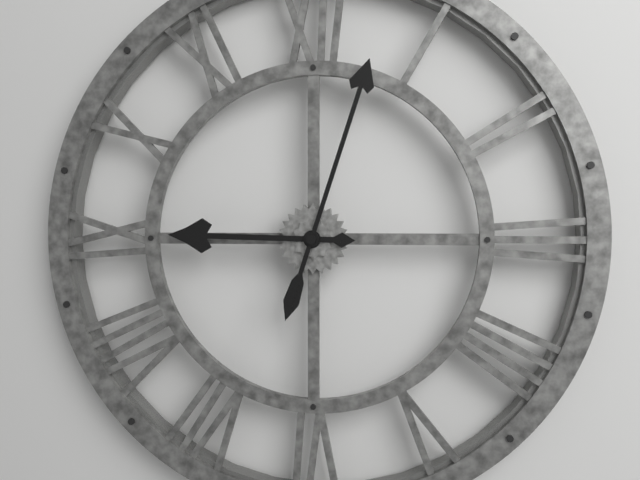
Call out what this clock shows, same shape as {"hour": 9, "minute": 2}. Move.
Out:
{"hour": 9, "minute": 3}
